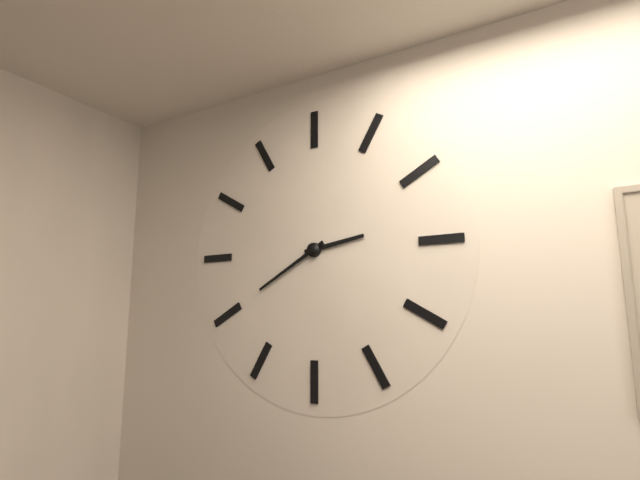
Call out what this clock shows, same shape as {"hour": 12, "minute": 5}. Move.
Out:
{"hour": 2, "minute": 40}
